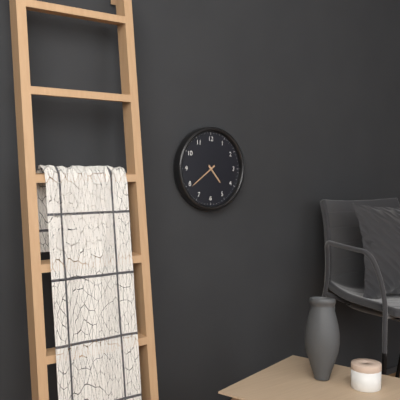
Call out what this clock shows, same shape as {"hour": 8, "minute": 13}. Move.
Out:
{"hour": 4, "minute": 39}
